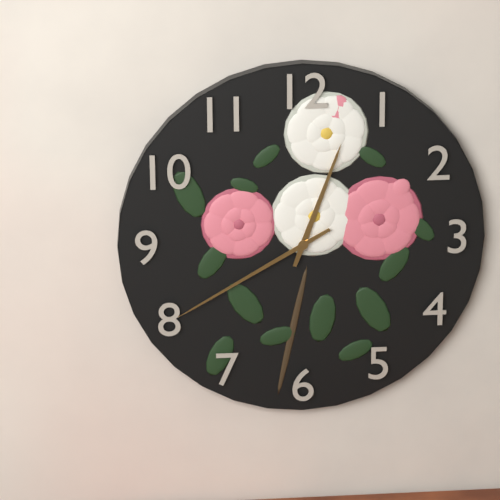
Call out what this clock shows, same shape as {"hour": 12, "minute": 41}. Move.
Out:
{"hour": 12, "minute": 40}
